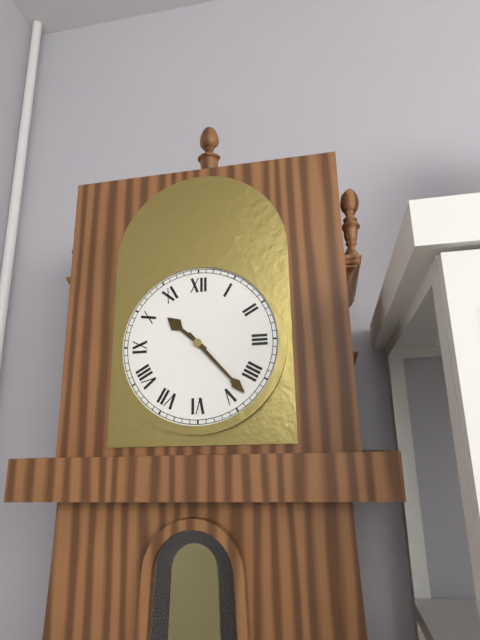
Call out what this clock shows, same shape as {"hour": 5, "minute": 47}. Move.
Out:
{"hour": 10, "minute": 23}
